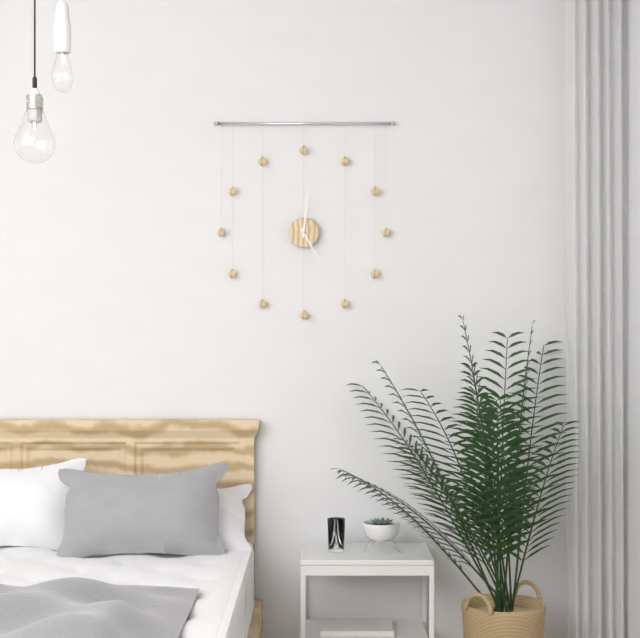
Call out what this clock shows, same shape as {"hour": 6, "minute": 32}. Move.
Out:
{"hour": 5, "minute": 1}
